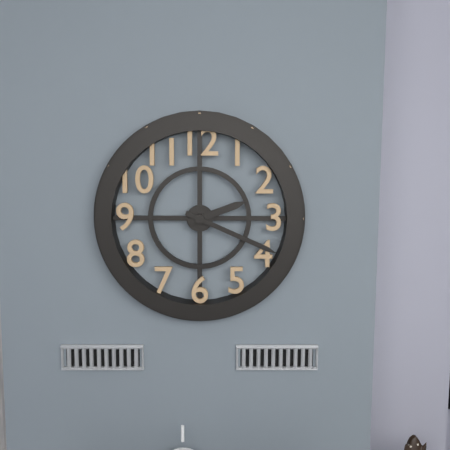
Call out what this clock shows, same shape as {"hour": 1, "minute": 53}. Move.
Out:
{"hour": 2, "minute": 19}
